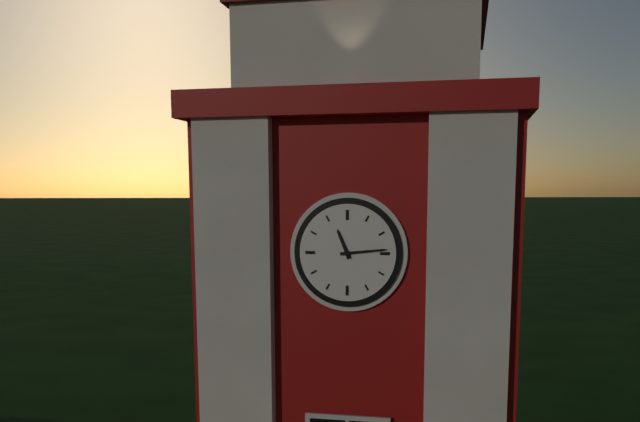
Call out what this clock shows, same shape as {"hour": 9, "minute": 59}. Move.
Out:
{"hour": 11, "minute": 14}
